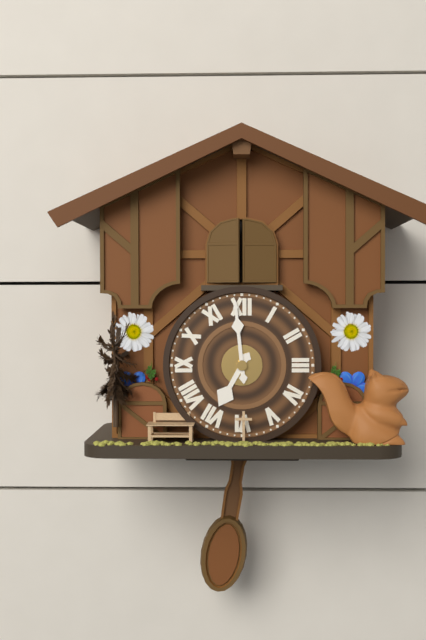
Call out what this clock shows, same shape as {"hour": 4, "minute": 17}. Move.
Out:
{"hour": 6, "minute": 59}
